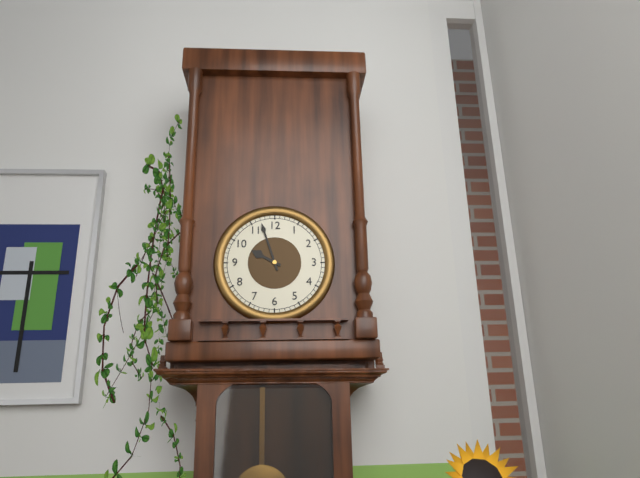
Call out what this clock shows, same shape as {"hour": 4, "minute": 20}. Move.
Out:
{"hour": 9, "minute": 57}
